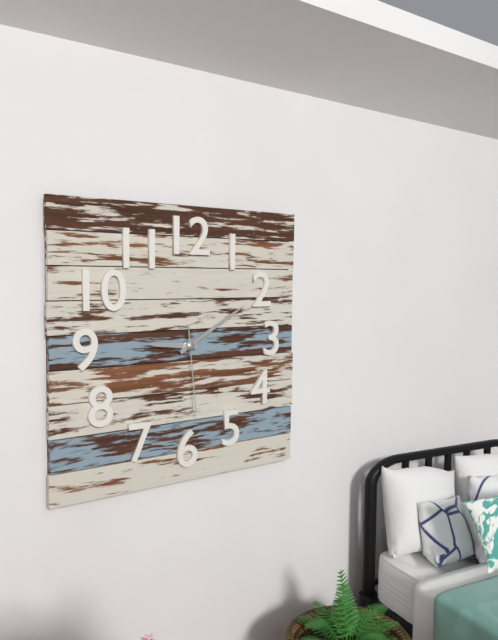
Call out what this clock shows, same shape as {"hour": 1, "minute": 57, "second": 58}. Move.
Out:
{"hour": 9, "minute": 10, "second": 29}
